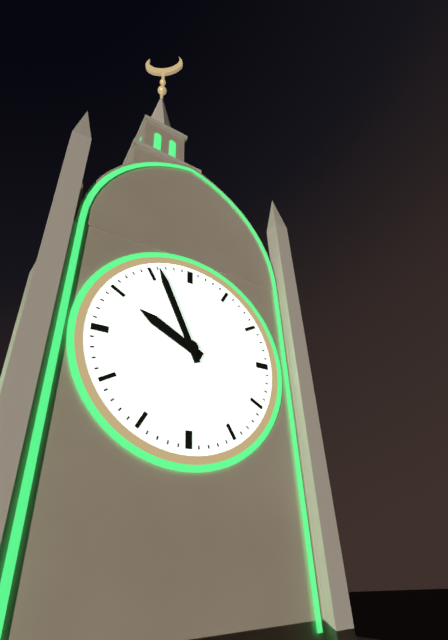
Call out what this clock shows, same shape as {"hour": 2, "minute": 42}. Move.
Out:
{"hour": 9, "minute": 56}
